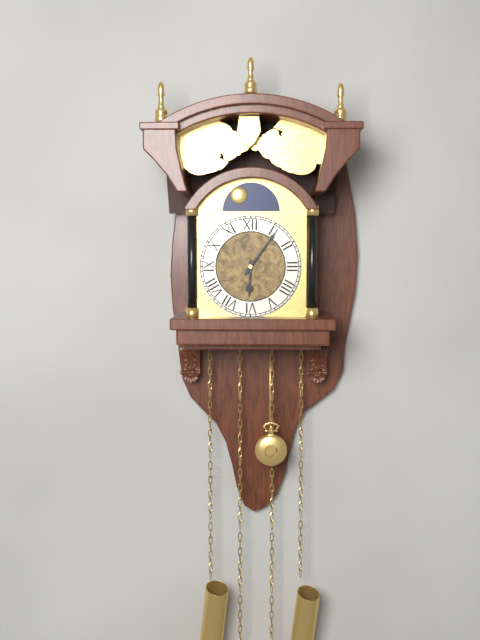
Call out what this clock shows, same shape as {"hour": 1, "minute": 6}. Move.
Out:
{"hour": 6, "minute": 6}
